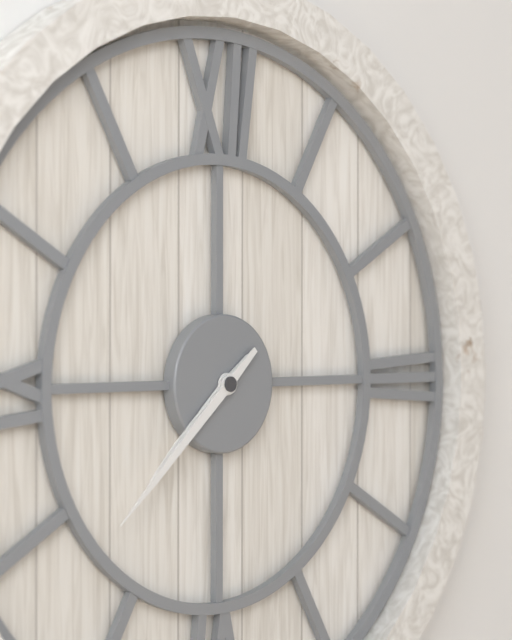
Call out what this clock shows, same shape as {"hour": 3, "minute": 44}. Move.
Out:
{"hour": 7, "minute": 38}
